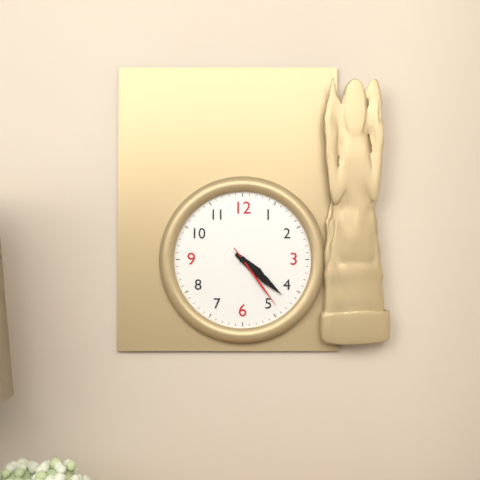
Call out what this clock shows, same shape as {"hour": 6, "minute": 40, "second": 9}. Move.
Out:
{"hour": 4, "minute": 22, "second": 24}
